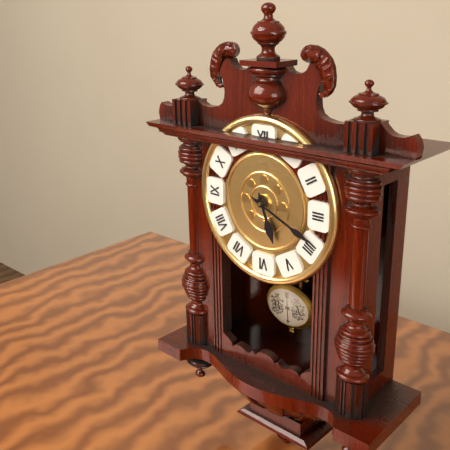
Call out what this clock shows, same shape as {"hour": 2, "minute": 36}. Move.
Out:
{"hour": 5, "minute": 19}
